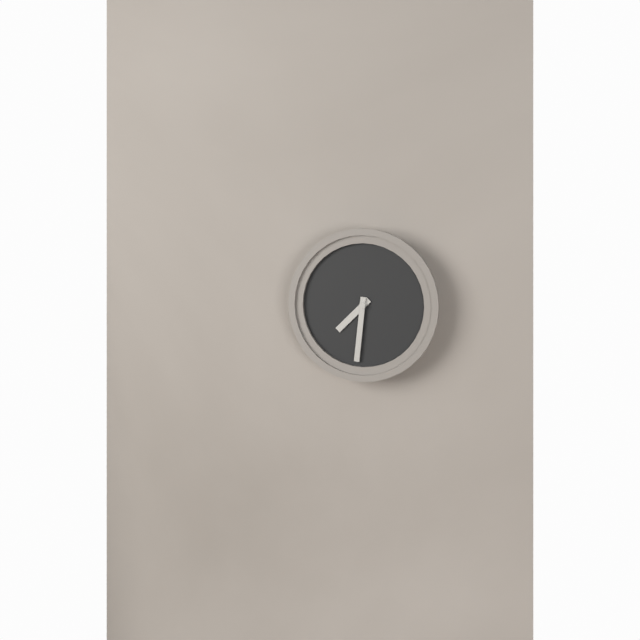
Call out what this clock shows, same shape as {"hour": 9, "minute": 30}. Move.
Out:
{"hour": 7, "minute": 31}
